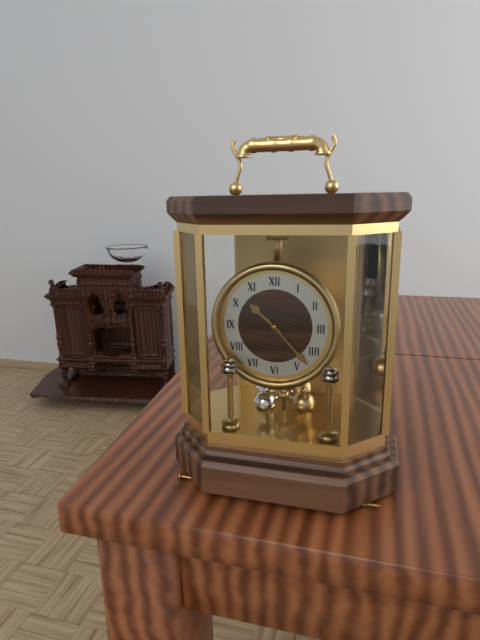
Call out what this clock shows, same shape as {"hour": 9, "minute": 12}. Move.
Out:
{"hour": 10, "minute": 23}
